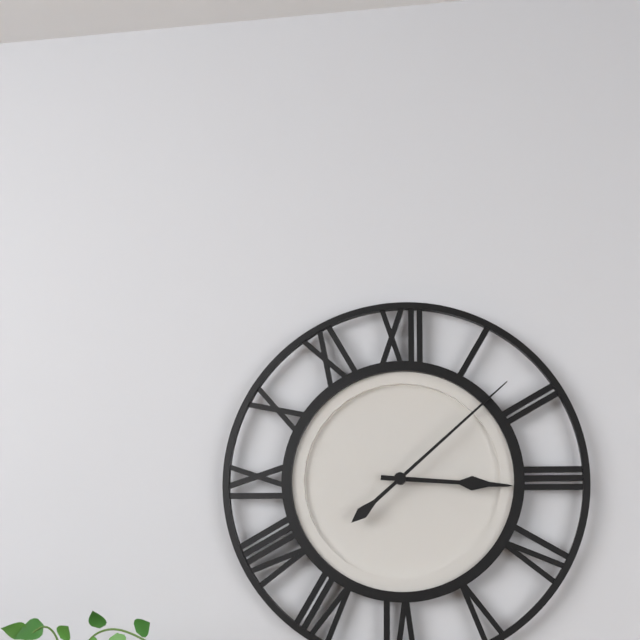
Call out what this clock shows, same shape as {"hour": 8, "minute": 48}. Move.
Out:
{"hour": 3, "minute": 8}
